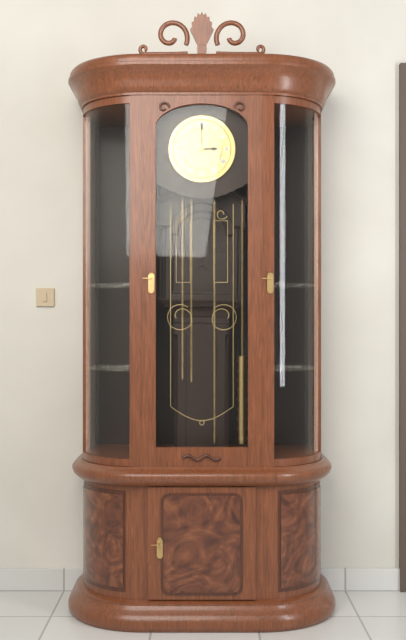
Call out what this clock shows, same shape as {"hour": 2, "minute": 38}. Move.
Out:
{"hour": 3, "minute": 0}
